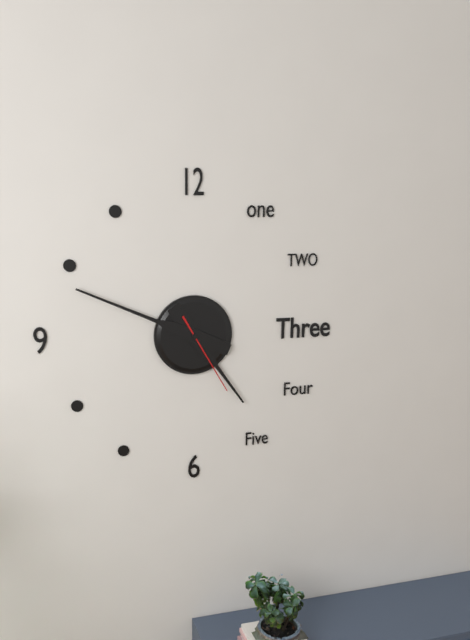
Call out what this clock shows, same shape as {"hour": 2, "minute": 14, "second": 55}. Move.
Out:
{"hour": 4, "minute": 49, "second": 25}
